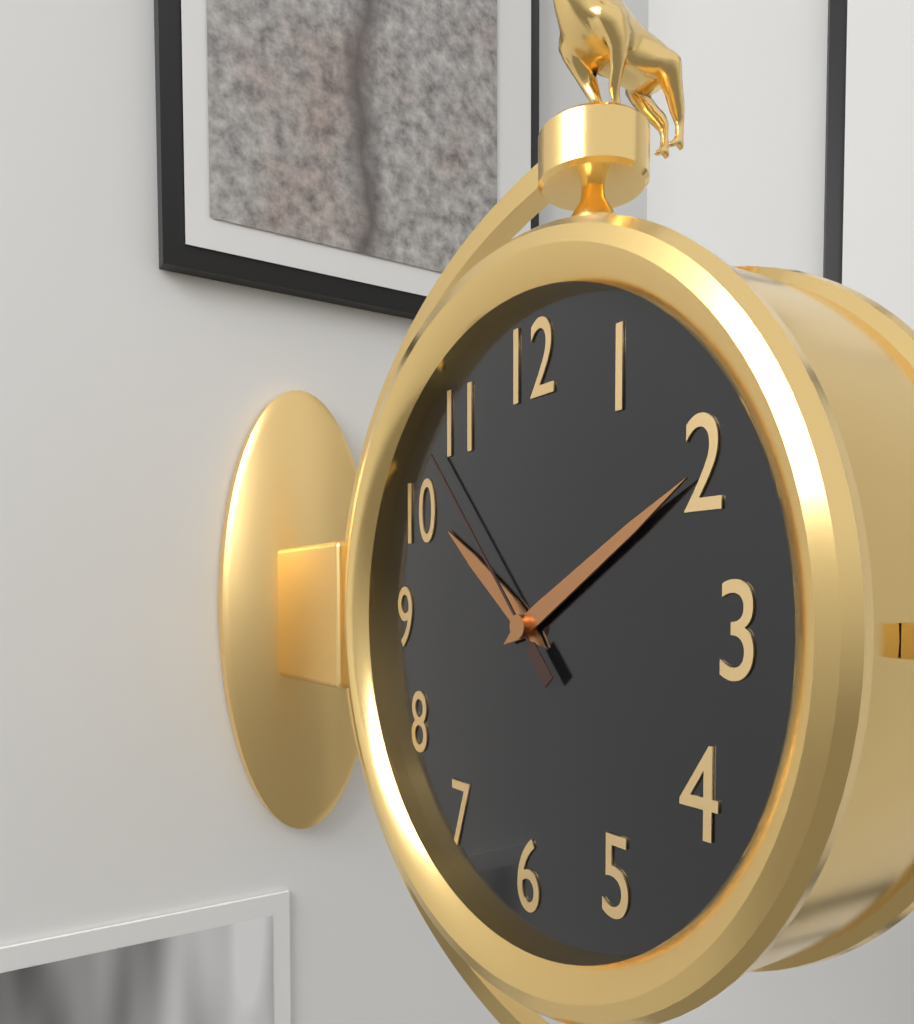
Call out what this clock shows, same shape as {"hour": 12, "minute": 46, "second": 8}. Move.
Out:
{"hour": 10, "minute": 10, "second": 53}
